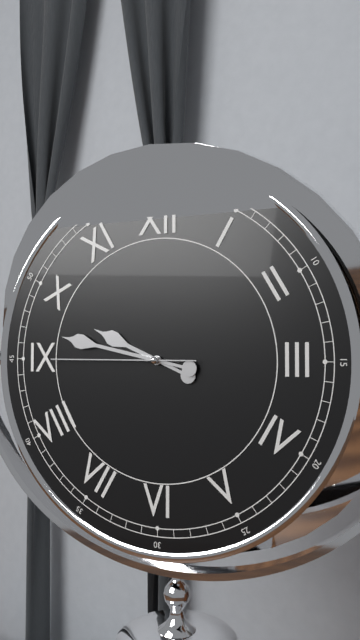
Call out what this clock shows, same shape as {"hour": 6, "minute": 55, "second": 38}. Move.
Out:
{"hour": 9, "minute": 47, "second": 45}
